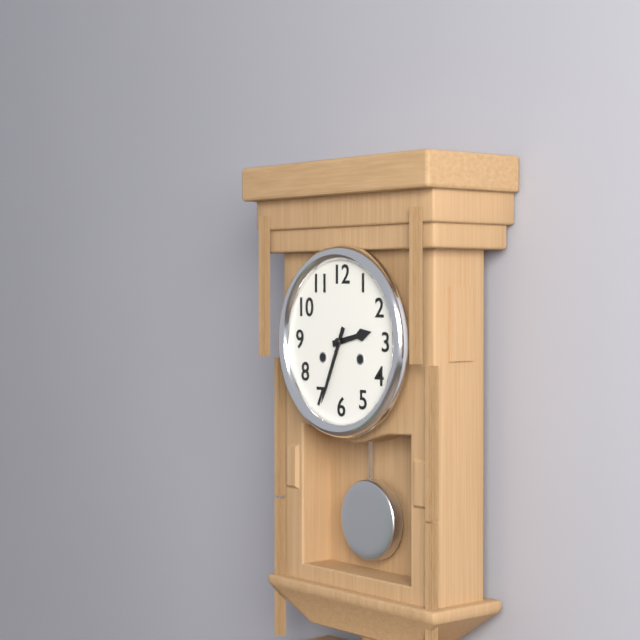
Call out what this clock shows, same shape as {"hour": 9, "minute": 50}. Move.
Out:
{"hour": 2, "minute": 34}
